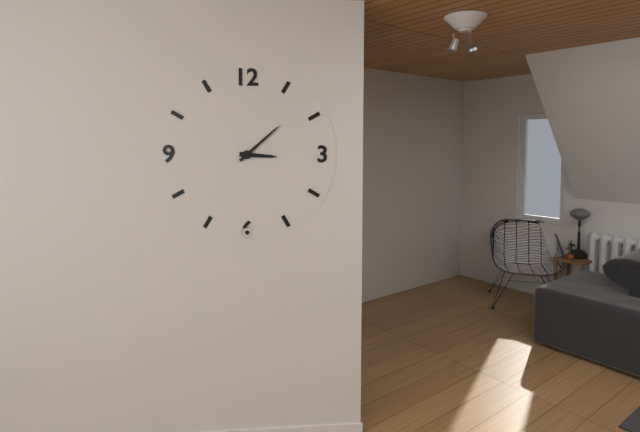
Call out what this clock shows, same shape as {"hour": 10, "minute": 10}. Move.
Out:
{"hour": 3, "minute": 8}
